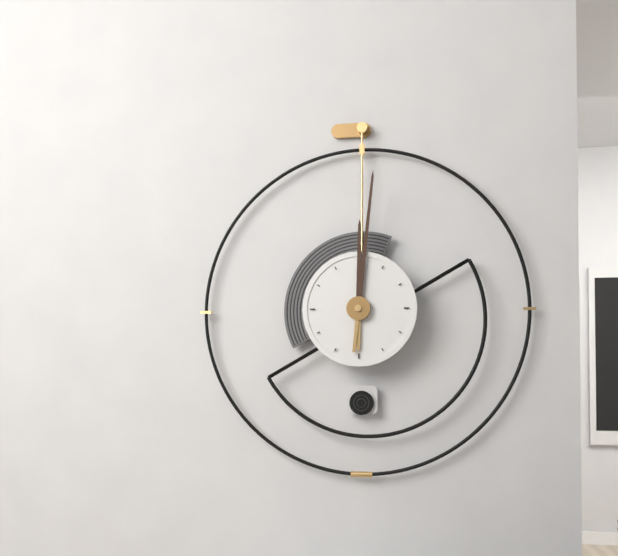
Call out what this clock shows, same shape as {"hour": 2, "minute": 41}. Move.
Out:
{"hour": 12, "minute": 1}
